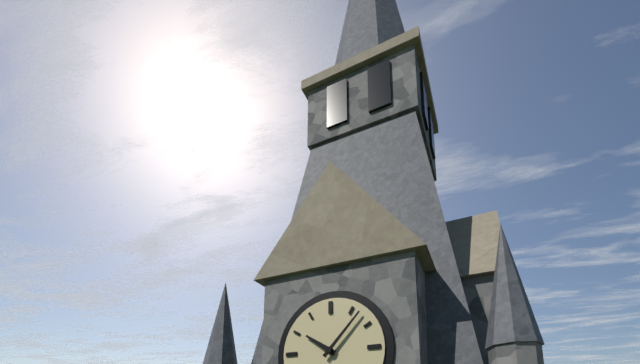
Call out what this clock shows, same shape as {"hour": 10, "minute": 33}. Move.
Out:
{"hour": 10, "minute": 7}
